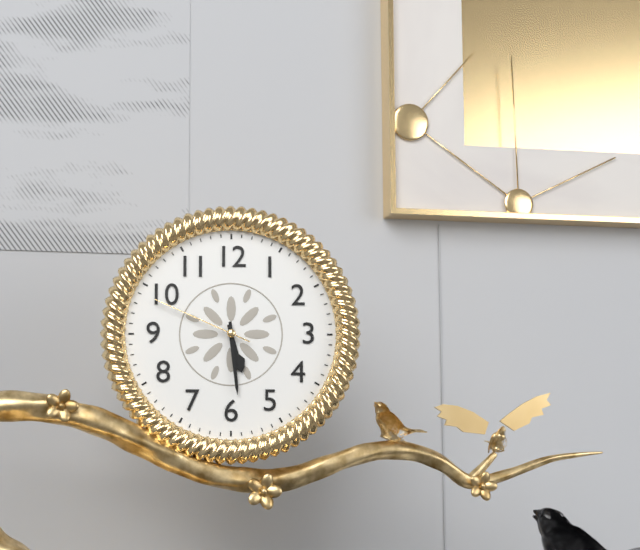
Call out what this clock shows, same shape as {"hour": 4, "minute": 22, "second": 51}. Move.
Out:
{"hour": 5, "minute": 29, "second": 49}
